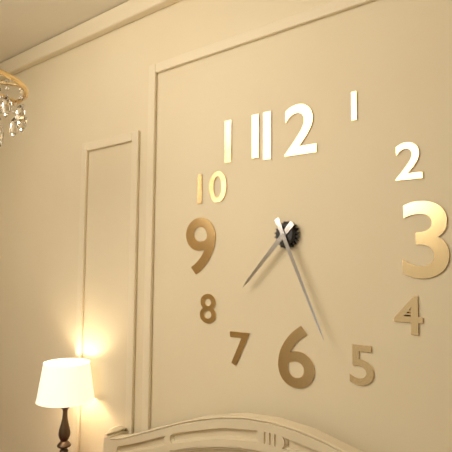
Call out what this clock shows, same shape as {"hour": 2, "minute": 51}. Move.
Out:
{"hour": 7, "minute": 26}
